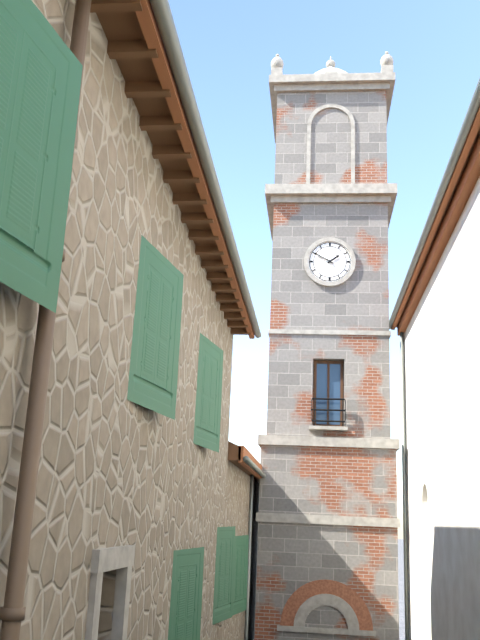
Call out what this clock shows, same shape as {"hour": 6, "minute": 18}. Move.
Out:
{"hour": 1, "minute": 50}
